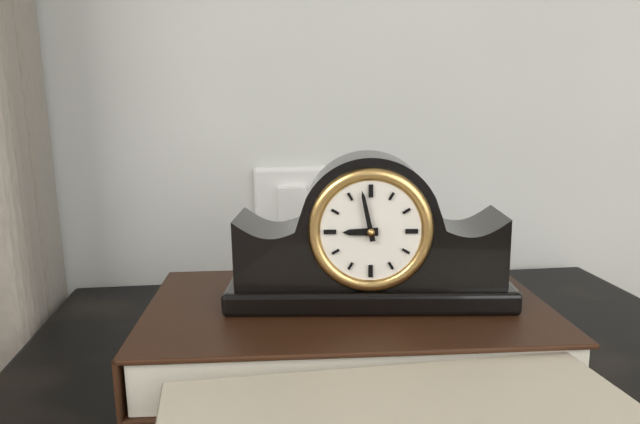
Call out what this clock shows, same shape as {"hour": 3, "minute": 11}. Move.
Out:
{"hour": 8, "minute": 58}
